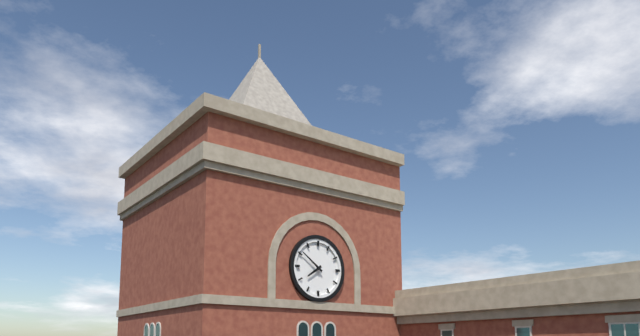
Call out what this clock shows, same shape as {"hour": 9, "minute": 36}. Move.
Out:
{"hour": 7, "minute": 51}
